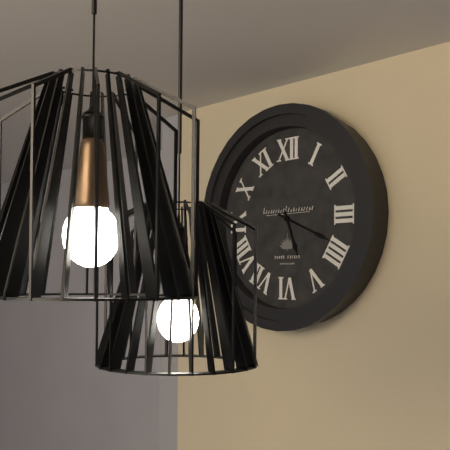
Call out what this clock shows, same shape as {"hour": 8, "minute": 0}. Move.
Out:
{"hour": 5, "minute": 19}
